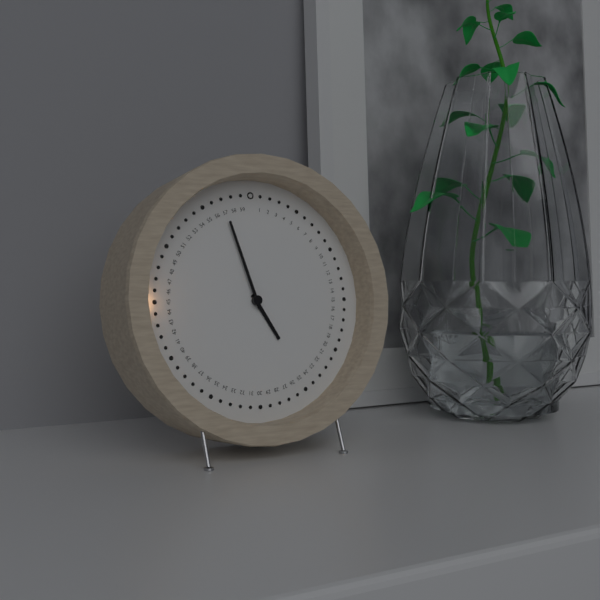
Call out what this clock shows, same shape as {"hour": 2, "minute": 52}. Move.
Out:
{"hour": 4, "minute": 57}
